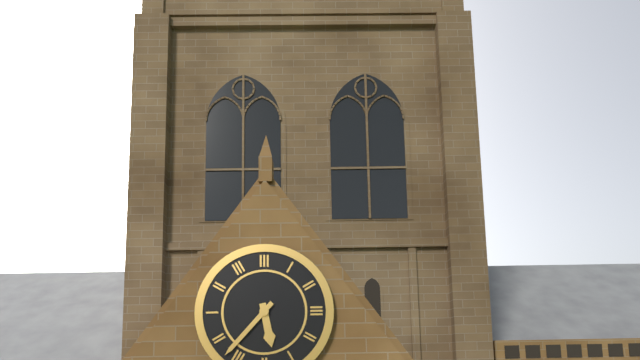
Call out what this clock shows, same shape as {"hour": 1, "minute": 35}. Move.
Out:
{"hour": 5, "minute": 37}
